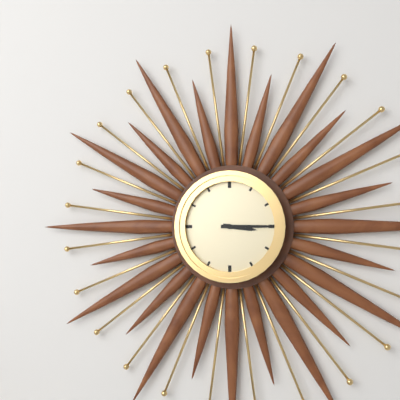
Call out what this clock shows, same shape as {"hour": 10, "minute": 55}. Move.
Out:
{"hour": 3, "minute": 15}
